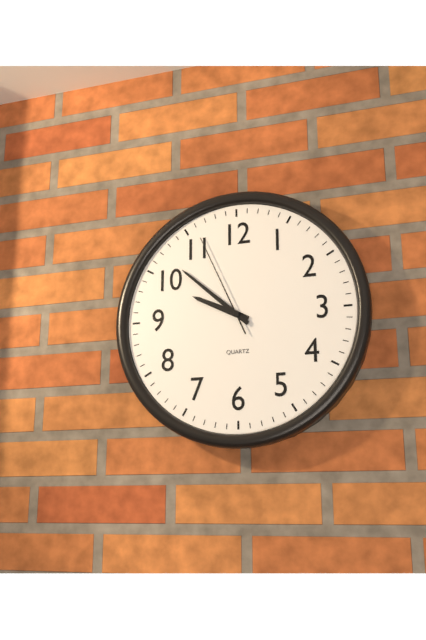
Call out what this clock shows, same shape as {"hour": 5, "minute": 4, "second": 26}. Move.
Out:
{"hour": 9, "minute": 52, "second": 56}
